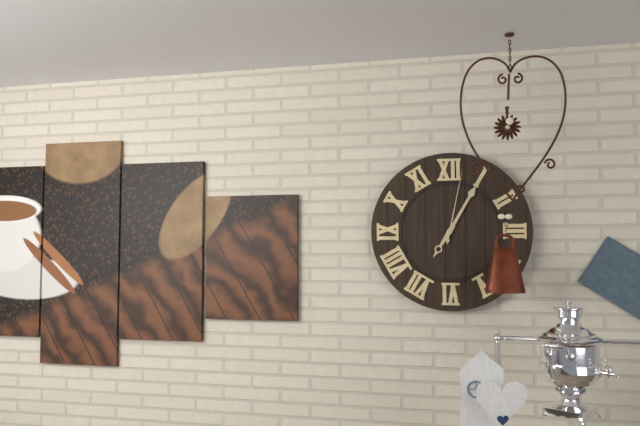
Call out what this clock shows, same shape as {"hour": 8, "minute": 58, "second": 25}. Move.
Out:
{"hour": 7, "minute": 5, "second": 2}
